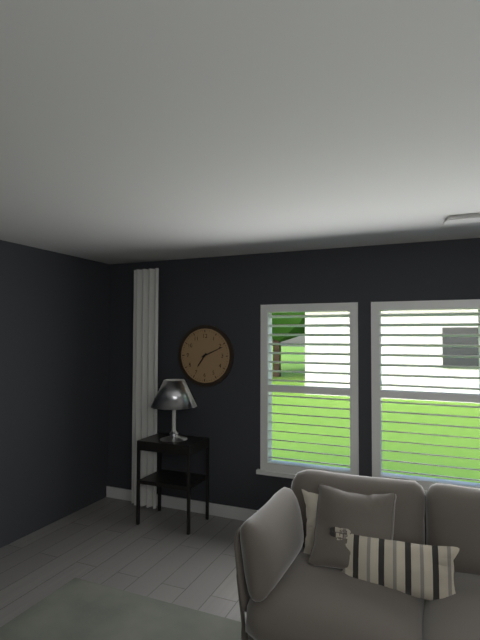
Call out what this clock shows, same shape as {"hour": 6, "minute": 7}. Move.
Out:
{"hour": 7, "minute": 11}
